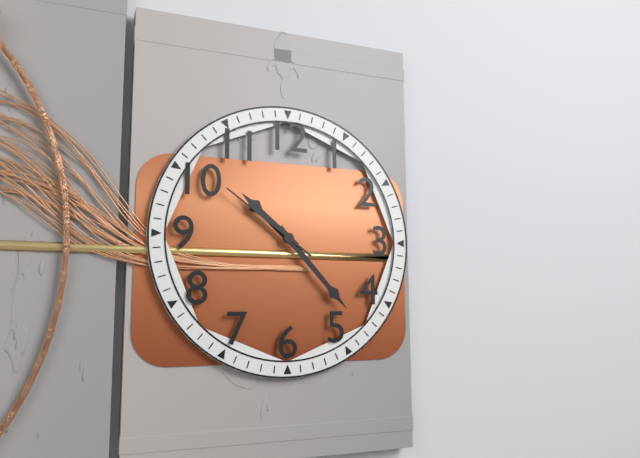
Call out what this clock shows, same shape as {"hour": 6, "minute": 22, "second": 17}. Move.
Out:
{"hour": 10, "minute": 23, "second": 51}
